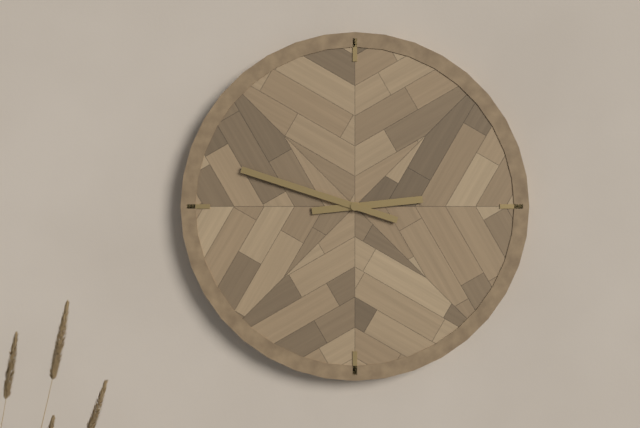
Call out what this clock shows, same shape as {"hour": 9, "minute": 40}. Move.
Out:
{"hour": 2, "minute": 48}
